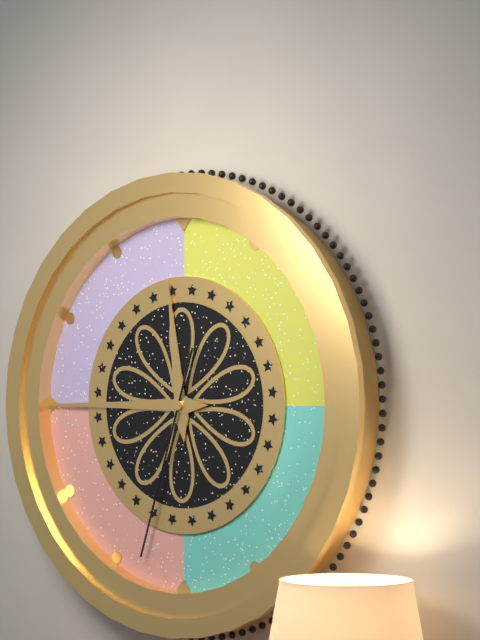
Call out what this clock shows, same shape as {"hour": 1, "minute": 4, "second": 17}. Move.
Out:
{"hour": 11, "minute": 45, "second": 33}
